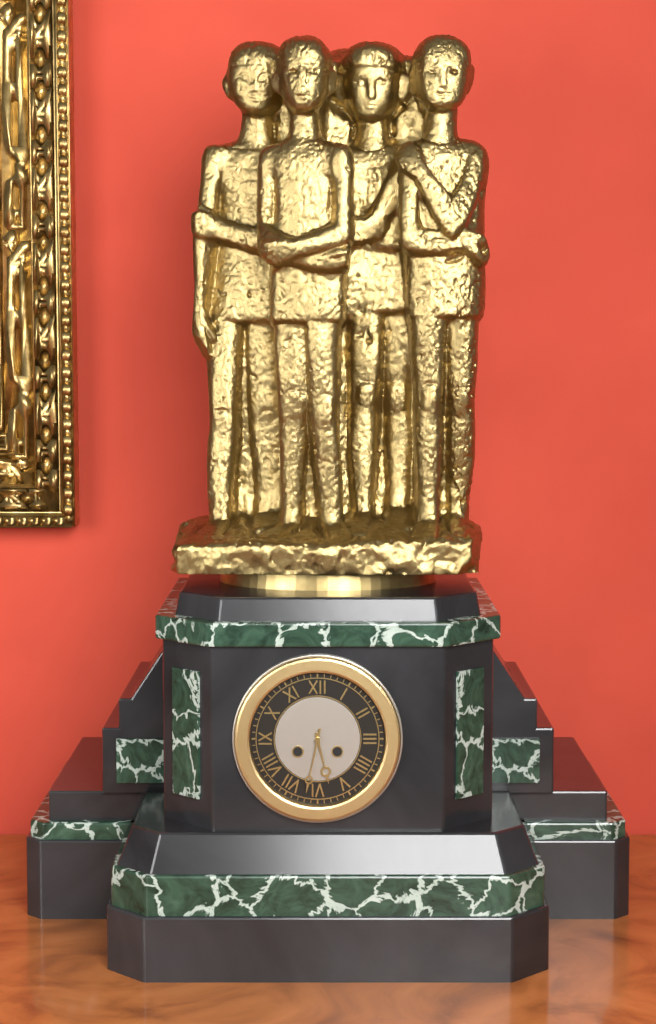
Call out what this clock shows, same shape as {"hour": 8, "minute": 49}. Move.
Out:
{"hour": 5, "minute": 32}
